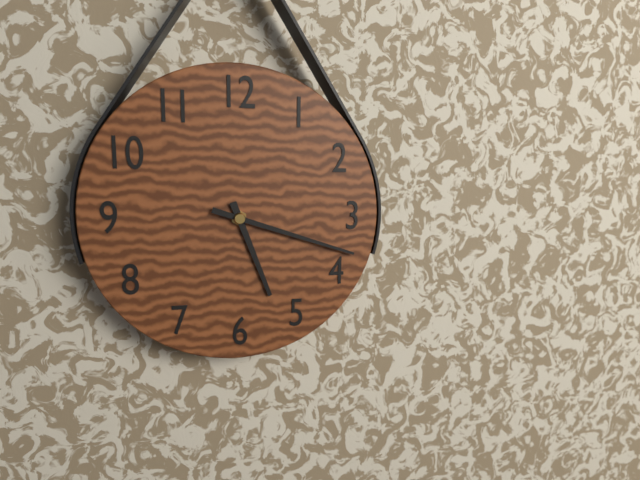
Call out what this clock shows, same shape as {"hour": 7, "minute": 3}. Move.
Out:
{"hour": 5, "minute": 18}
